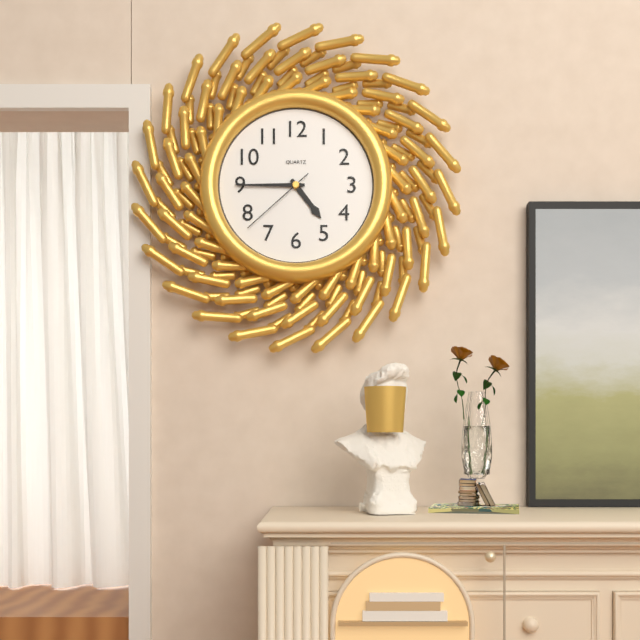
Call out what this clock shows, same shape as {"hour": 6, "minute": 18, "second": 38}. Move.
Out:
{"hour": 4, "minute": 45, "second": 38}
